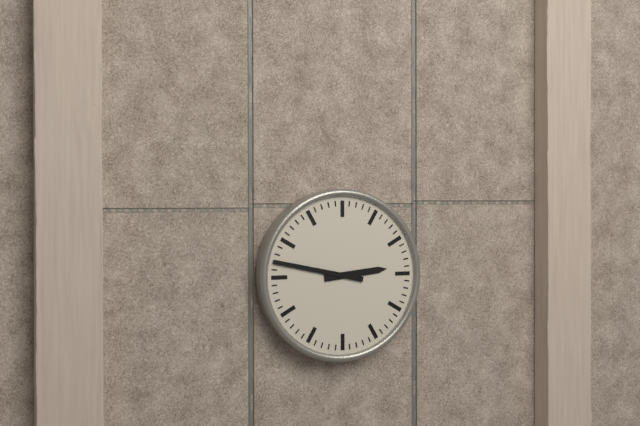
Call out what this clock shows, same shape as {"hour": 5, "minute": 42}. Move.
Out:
{"hour": 2, "minute": 47}
